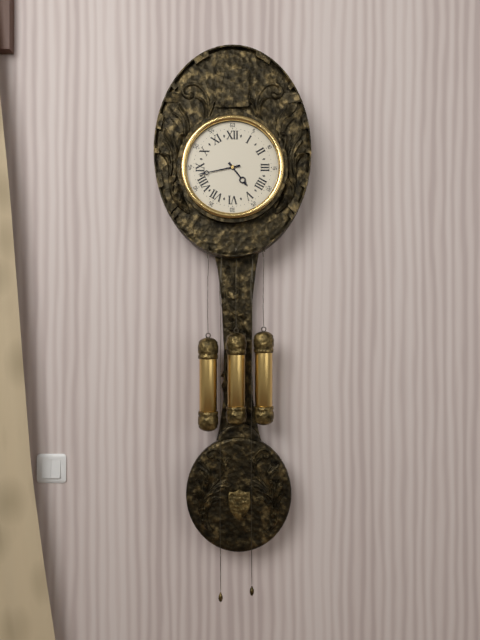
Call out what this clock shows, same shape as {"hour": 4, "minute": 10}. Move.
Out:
{"hour": 4, "minute": 43}
